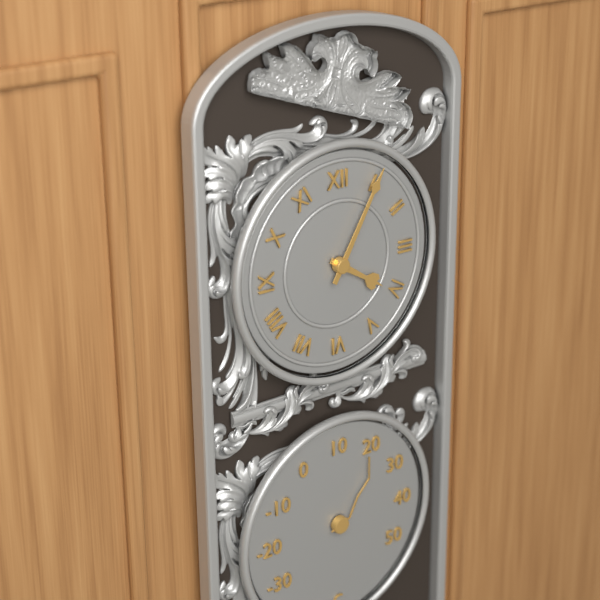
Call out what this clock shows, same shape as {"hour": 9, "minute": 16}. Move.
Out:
{"hour": 4, "minute": 5}
